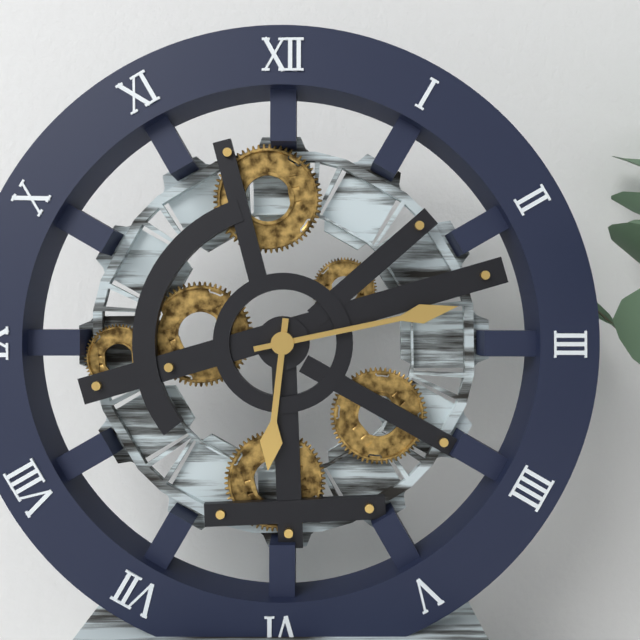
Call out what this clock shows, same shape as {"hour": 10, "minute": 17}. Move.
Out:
{"hour": 6, "minute": 13}
